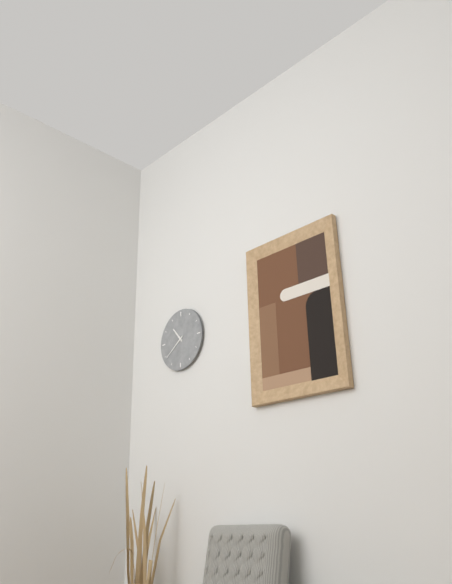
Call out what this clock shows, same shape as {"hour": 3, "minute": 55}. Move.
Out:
{"hour": 10, "minute": 39}
